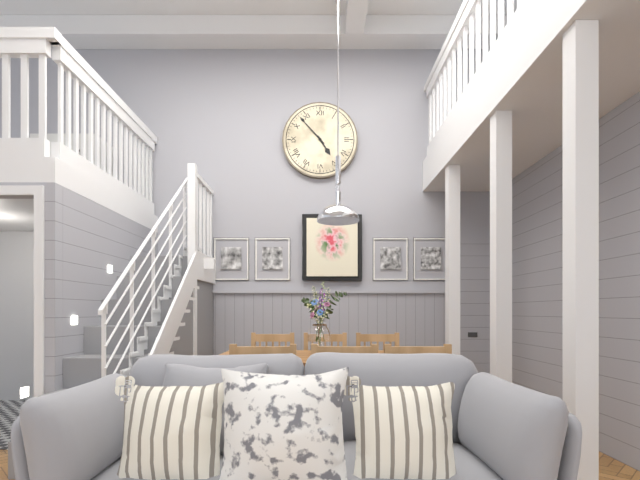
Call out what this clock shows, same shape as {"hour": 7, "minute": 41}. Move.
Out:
{"hour": 4, "minute": 53}
